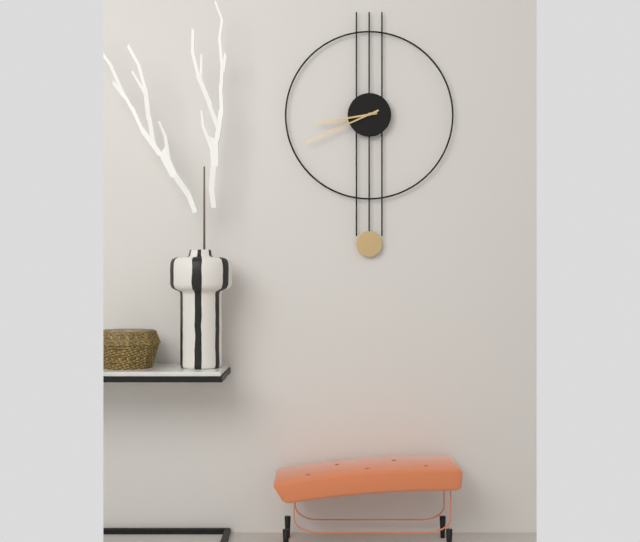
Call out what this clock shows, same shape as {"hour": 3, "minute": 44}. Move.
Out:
{"hour": 8, "minute": 41}
